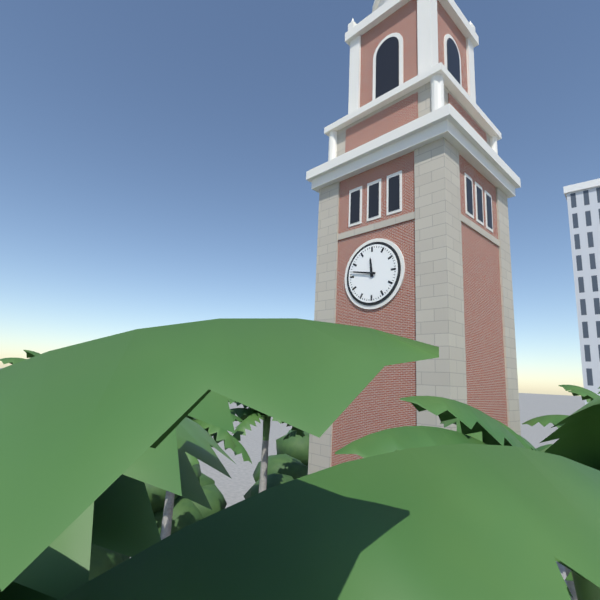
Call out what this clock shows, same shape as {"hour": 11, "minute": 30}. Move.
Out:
{"hour": 11, "minute": 47}
